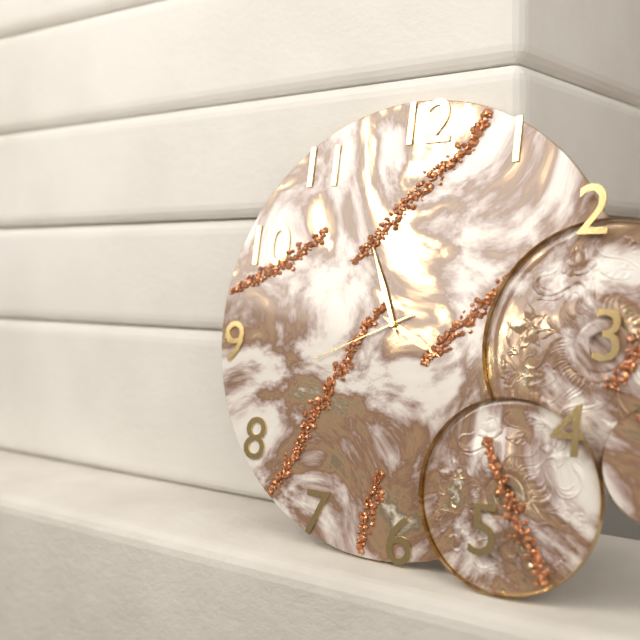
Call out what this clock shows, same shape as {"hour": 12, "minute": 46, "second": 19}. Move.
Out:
{"hour": 3, "minute": 56, "second": 41}
